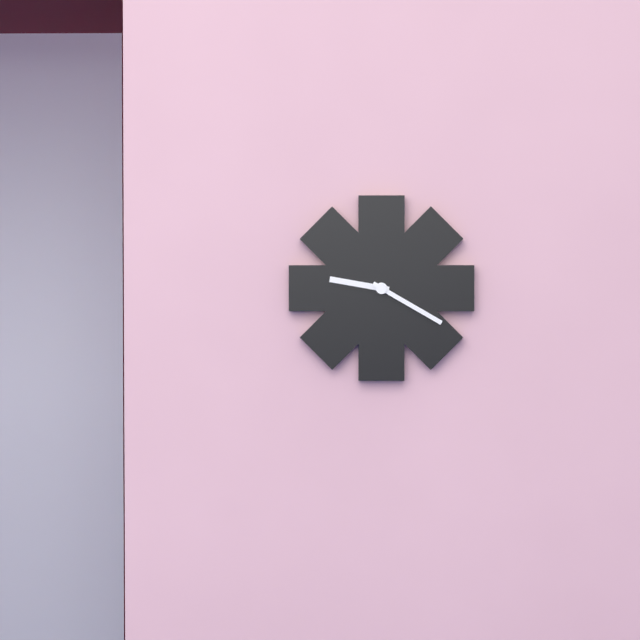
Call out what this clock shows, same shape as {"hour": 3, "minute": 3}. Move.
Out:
{"hour": 9, "minute": 20}
